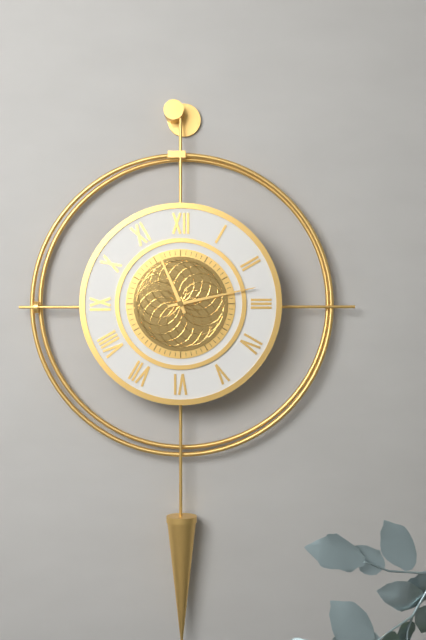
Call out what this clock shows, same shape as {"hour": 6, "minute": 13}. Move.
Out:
{"hour": 11, "minute": 13}
